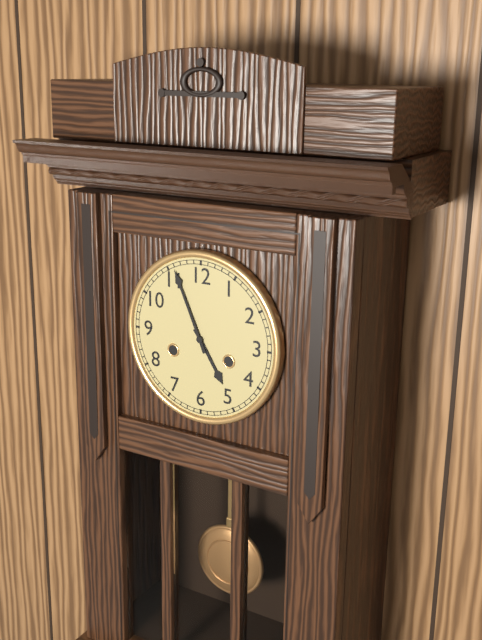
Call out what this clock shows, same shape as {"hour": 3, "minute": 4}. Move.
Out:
{"hour": 4, "minute": 56}
